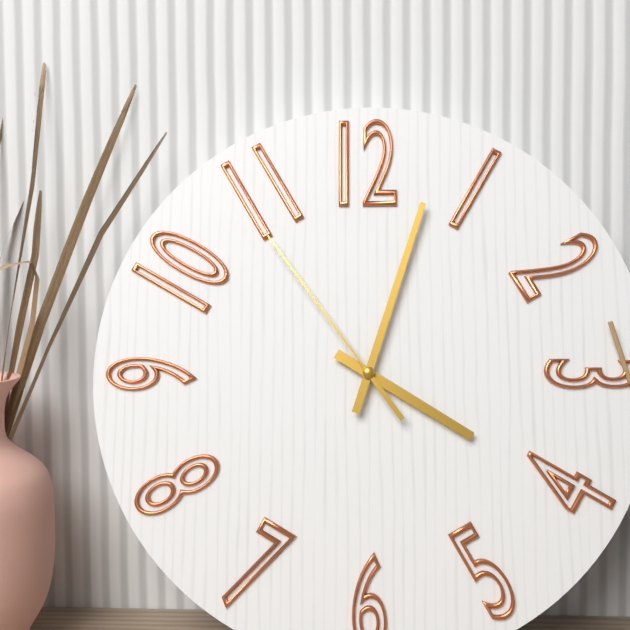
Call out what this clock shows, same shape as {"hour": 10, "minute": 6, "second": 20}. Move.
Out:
{"hour": 4, "minute": 3, "second": 54}
